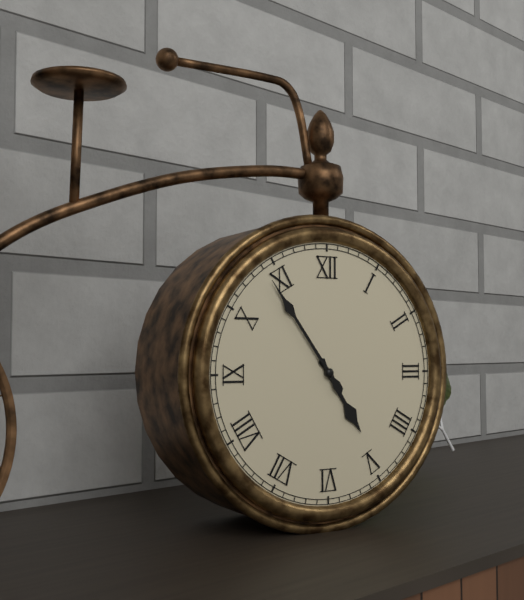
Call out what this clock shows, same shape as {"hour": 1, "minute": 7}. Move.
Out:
{"hour": 4, "minute": 54}
